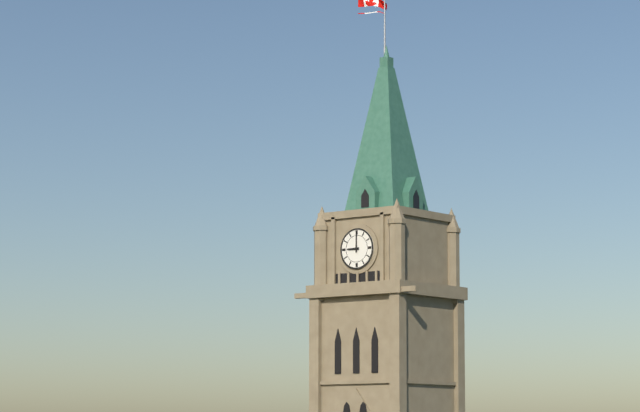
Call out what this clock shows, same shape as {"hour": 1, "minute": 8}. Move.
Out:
{"hour": 9, "minute": 0}
